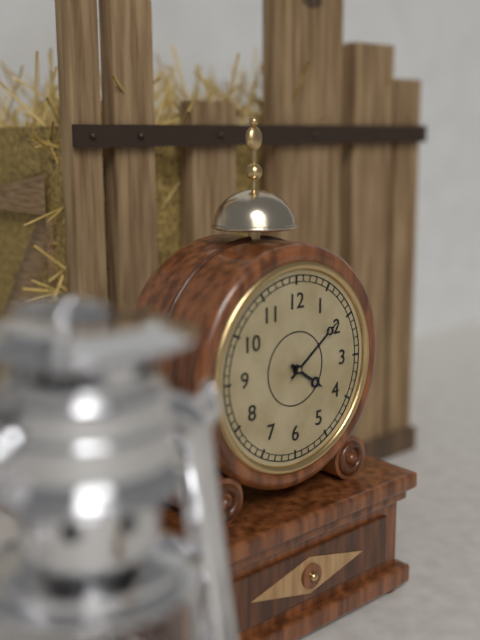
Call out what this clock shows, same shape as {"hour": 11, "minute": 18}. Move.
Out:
{"hour": 4, "minute": 9}
